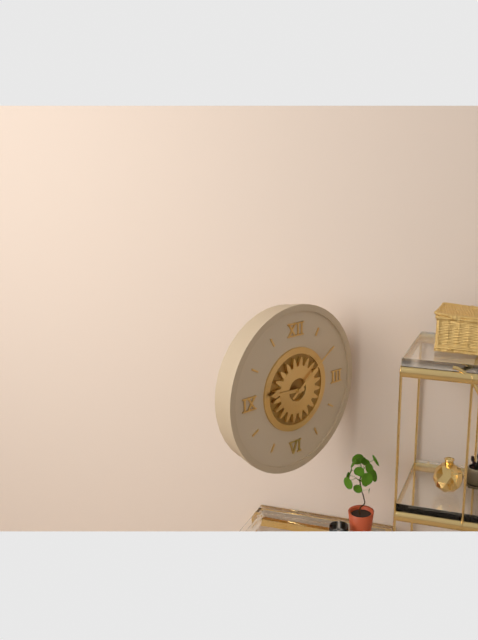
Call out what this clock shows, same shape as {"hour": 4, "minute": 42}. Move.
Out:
{"hour": 9, "minute": 9}
